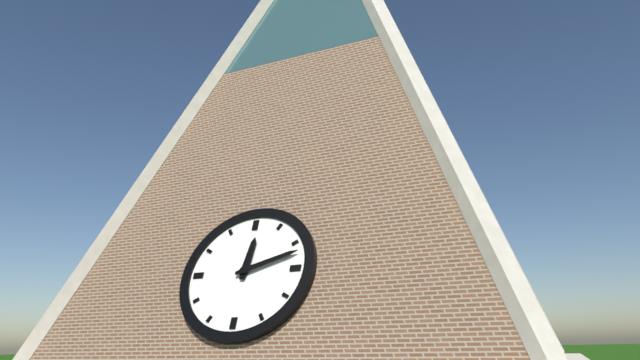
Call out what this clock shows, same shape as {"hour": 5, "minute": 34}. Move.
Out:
{"hour": 12, "minute": 12}
